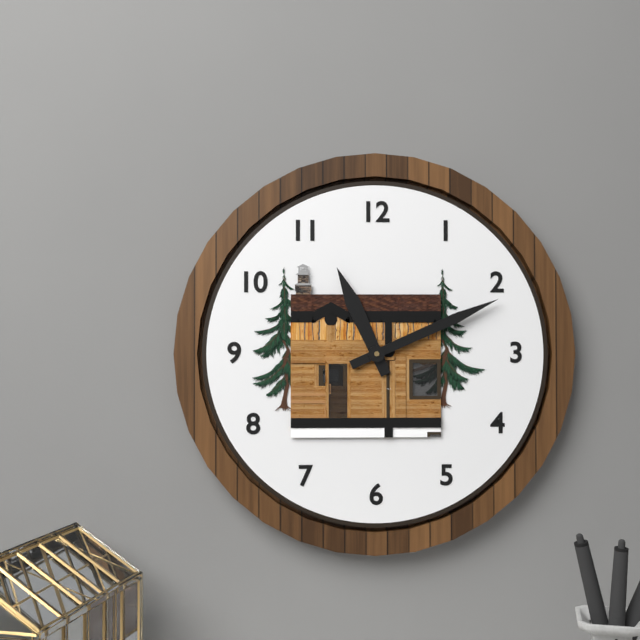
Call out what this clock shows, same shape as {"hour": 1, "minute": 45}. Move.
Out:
{"hour": 11, "minute": 11}
